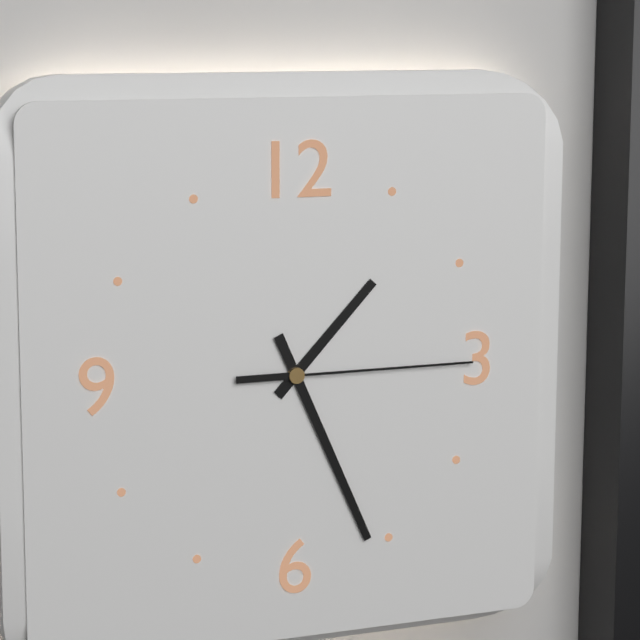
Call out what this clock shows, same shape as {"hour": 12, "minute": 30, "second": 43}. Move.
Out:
{"hour": 1, "minute": 26, "second": 15}
